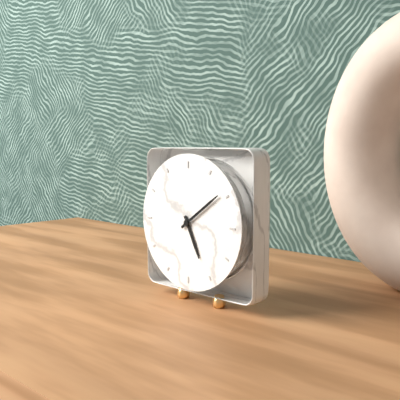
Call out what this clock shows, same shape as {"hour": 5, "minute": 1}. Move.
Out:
{"hour": 5, "minute": 9}
